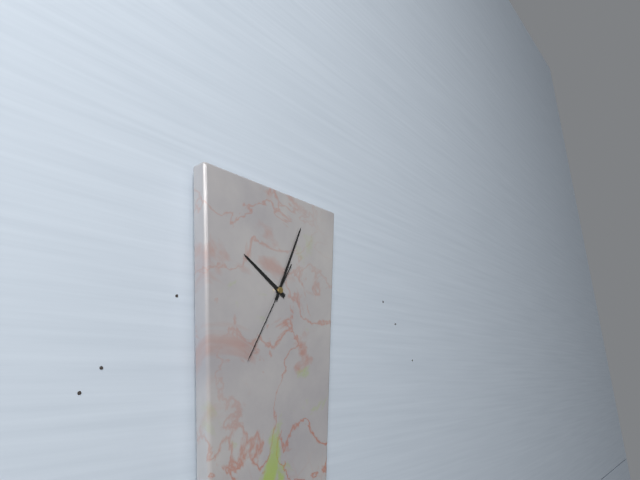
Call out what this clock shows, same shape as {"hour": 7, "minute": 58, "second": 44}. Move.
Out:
{"hour": 10, "minute": 4, "second": 35}
